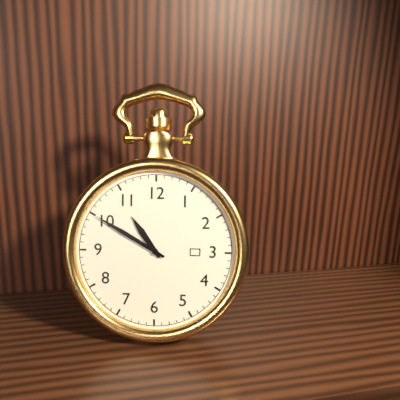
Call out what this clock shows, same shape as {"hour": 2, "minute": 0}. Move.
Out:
{"hour": 10, "minute": 50}
